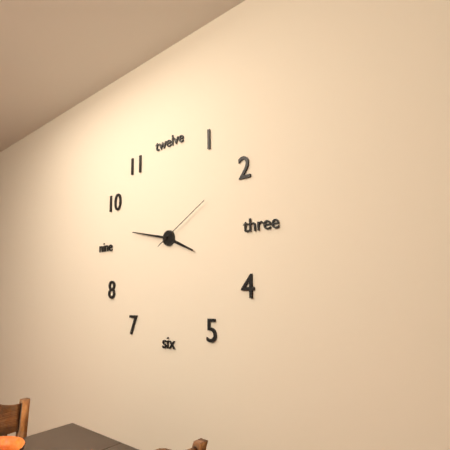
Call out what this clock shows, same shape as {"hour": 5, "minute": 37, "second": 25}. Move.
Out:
{"hour": 3, "minute": 47, "second": 10}
